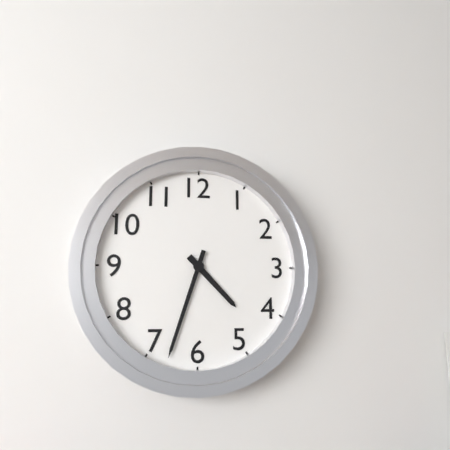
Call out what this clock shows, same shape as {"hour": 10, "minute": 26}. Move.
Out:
{"hour": 4, "minute": 33}
